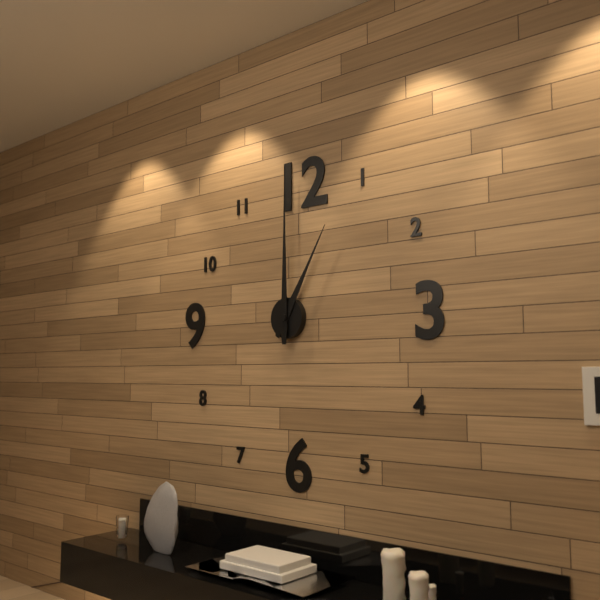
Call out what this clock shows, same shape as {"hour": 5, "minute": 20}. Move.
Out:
{"hour": 1, "minute": 0}
